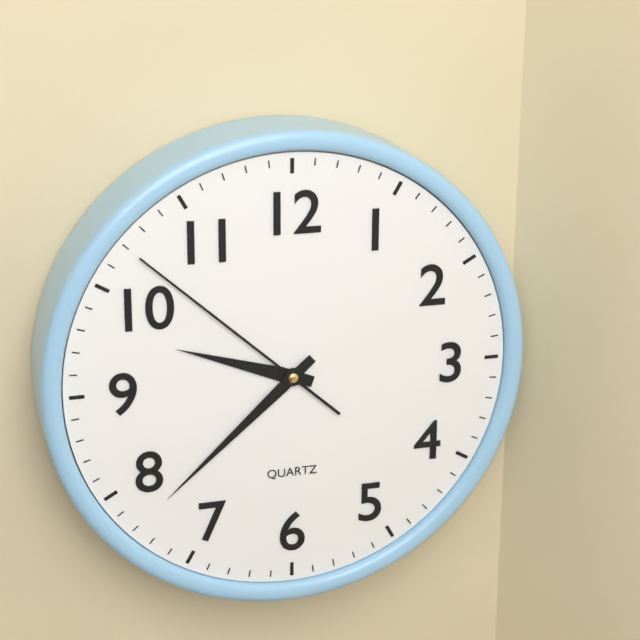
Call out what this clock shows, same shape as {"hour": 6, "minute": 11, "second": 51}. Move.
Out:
{"hour": 9, "minute": 38, "second": 52}
